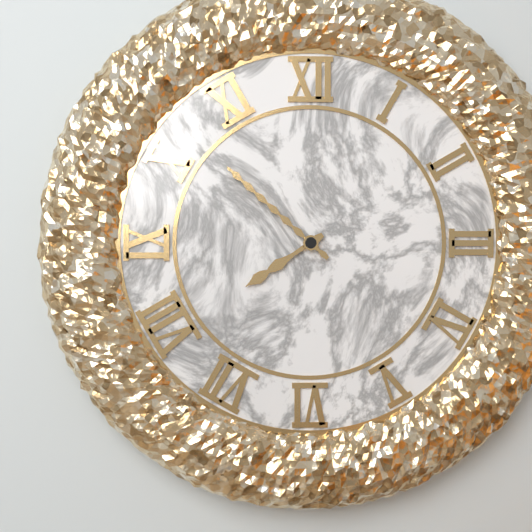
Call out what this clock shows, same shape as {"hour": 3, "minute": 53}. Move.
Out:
{"hour": 7, "minute": 52}
